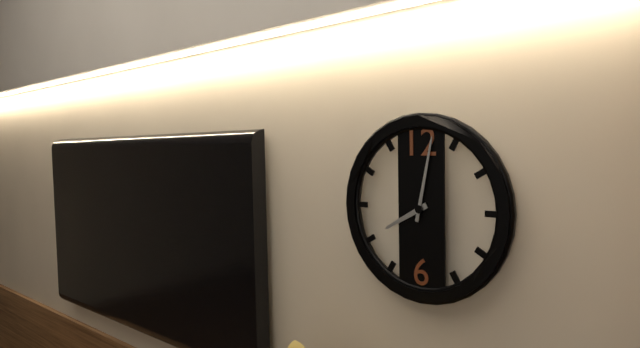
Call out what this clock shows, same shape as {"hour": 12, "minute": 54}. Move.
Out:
{"hour": 8, "minute": 2}
